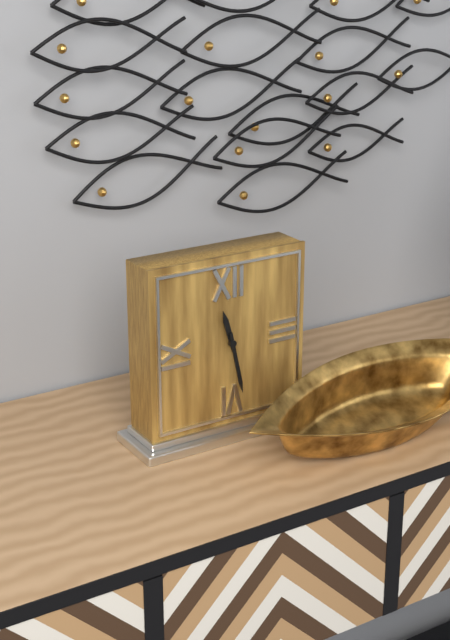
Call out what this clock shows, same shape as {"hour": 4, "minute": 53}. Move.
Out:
{"hour": 11, "minute": 28}
